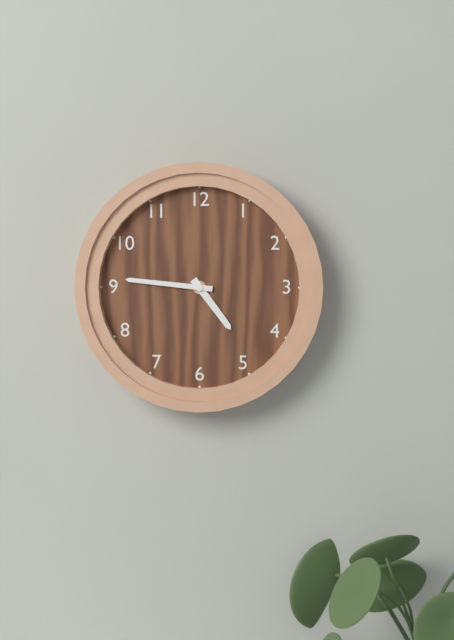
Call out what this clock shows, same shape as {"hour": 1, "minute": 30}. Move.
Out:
{"hour": 4, "minute": 46}
